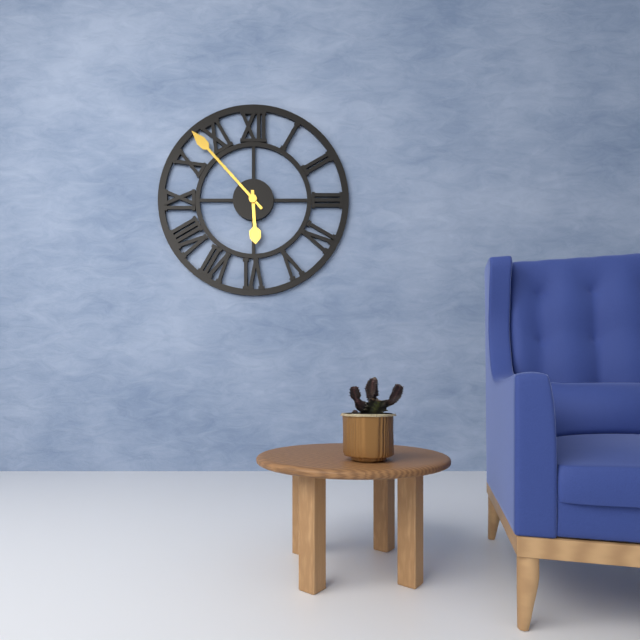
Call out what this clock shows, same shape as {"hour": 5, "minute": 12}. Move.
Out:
{"hour": 5, "minute": 53}
